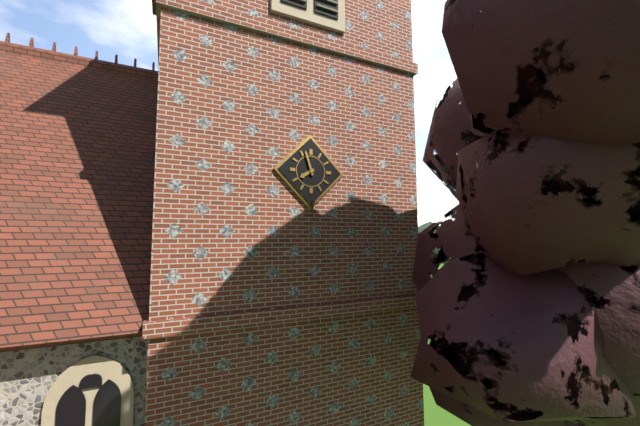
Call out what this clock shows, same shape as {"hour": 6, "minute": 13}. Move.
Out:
{"hour": 7, "minute": 57}
